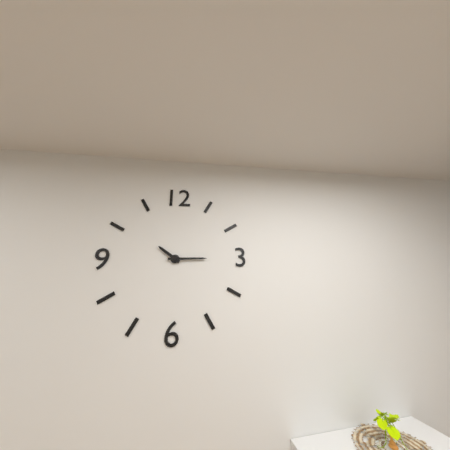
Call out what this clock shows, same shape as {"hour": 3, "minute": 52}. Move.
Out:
{"hour": 10, "minute": 15}
